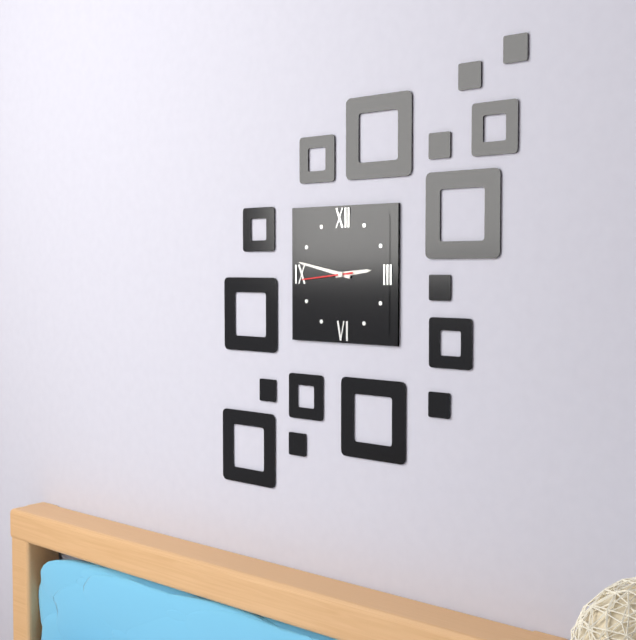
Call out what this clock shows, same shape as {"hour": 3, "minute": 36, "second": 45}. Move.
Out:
{"hour": 2, "minute": 47, "second": 44}
